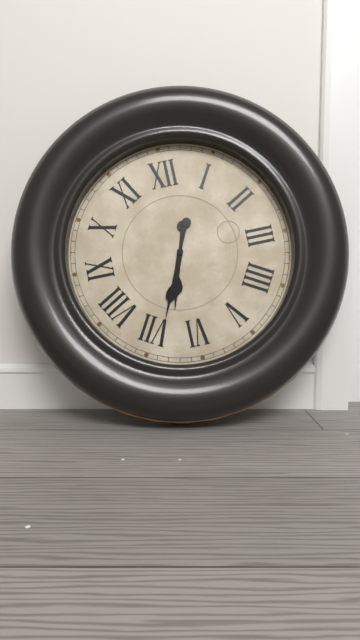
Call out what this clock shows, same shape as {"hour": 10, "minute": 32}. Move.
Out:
{"hour": 6, "minute": 34}
